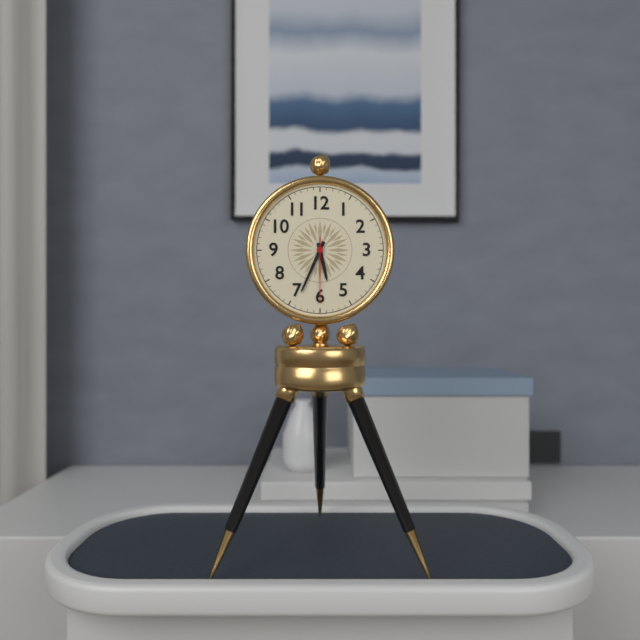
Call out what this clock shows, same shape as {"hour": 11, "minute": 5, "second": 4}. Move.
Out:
{"hour": 5, "minute": 34, "second": 30}
